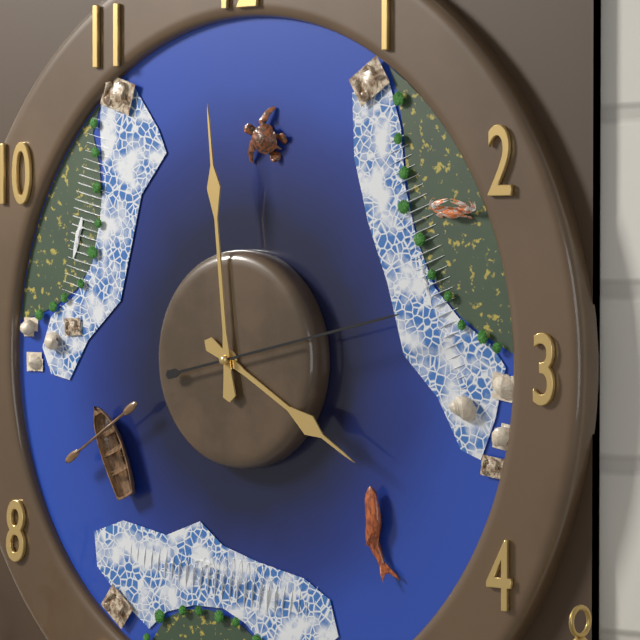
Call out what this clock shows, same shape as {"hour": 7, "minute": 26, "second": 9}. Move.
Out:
{"hour": 3, "minute": 59, "second": 13}
